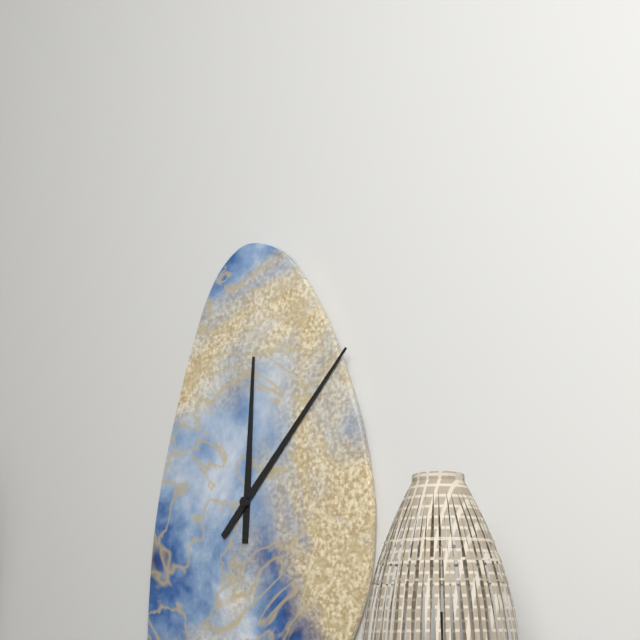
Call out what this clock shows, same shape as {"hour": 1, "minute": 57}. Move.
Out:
{"hour": 12, "minute": 7}
